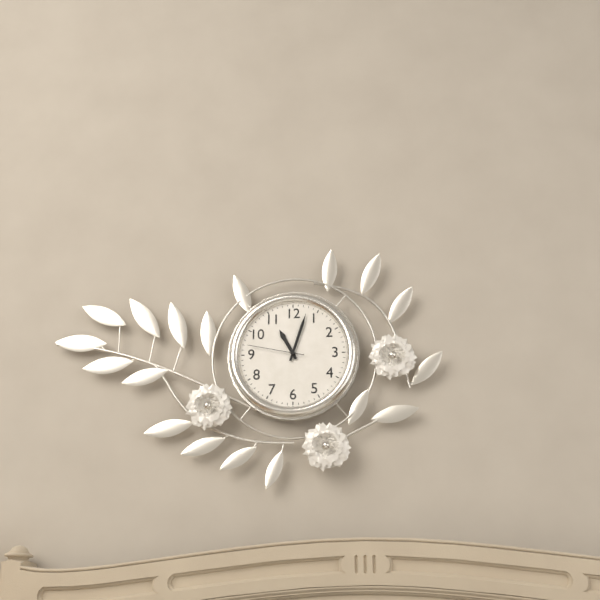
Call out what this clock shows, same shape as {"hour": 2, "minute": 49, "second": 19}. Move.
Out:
{"hour": 11, "minute": 3, "second": 47}
